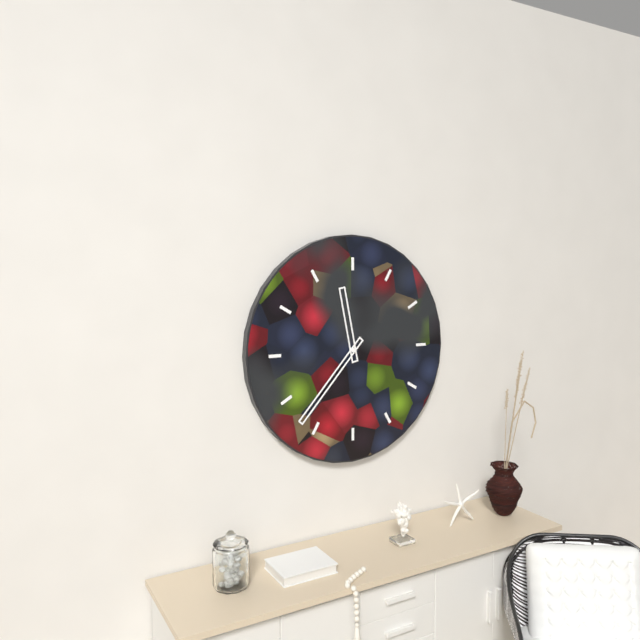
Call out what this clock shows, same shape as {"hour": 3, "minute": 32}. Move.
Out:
{"hour": 11, "minute": 37}
